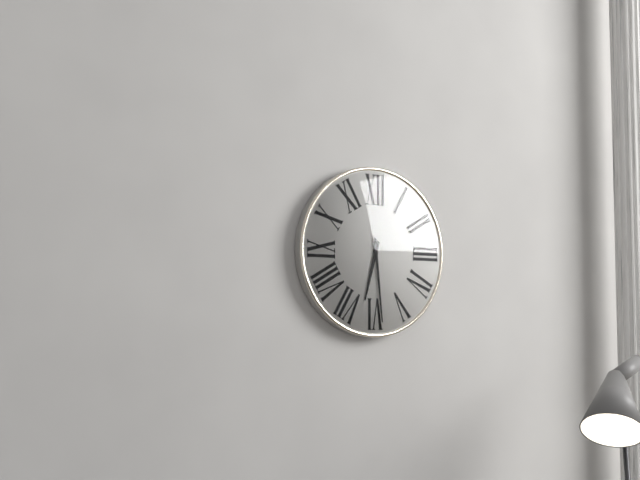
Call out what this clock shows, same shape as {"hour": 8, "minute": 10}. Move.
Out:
{"hour": 6, "minute": 29}
